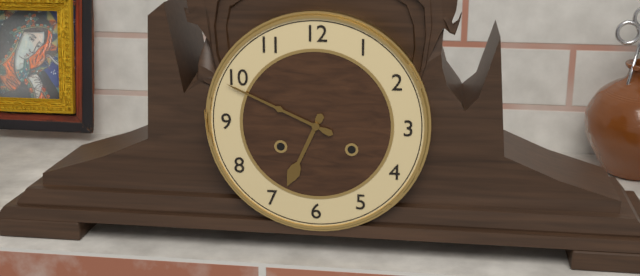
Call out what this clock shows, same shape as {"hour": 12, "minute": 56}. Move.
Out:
{"hour": 6, "minute": 49}
